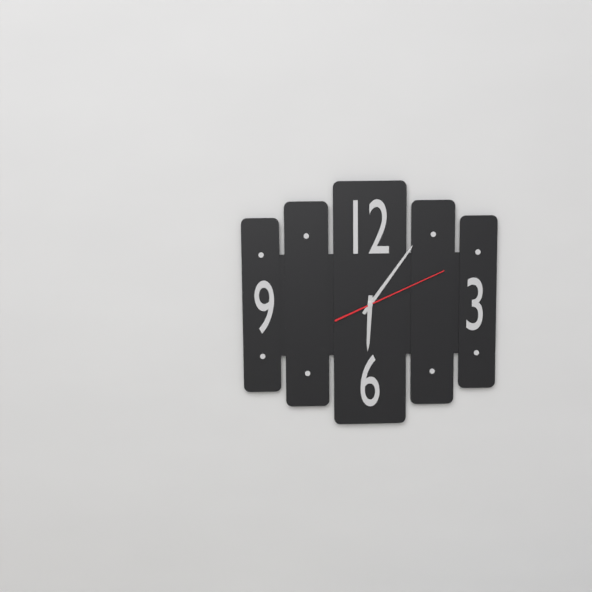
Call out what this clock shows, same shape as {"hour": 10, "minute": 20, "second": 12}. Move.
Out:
{"hour": 6, "minute": 6, "second": 11}
